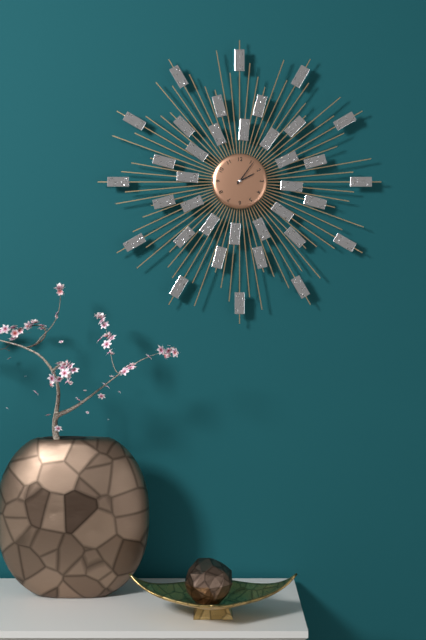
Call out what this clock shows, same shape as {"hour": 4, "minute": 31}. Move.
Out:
{"hour": 2, "minute": 6}
